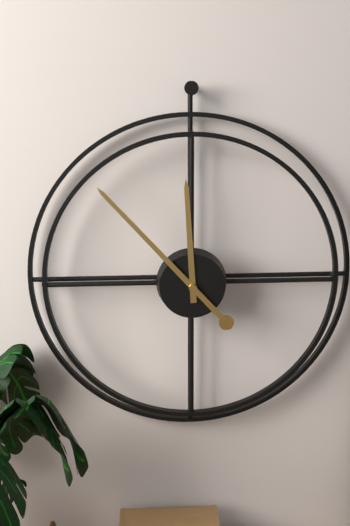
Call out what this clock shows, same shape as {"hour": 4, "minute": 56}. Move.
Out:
{"hour": 11, "minute": 53}
